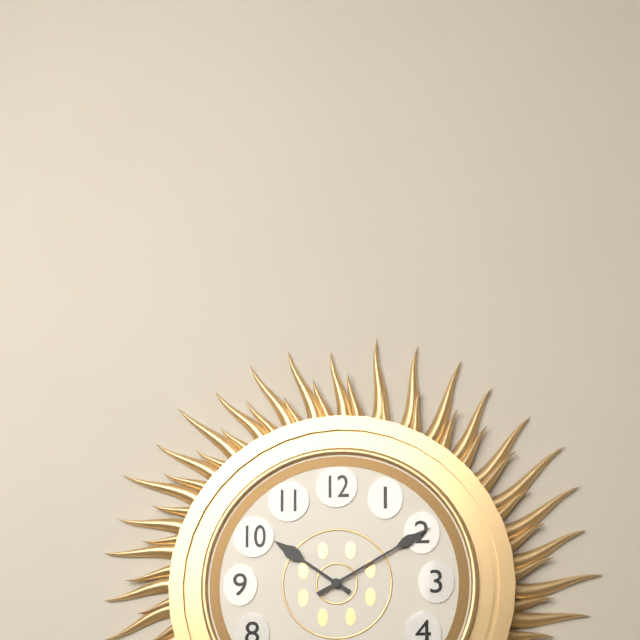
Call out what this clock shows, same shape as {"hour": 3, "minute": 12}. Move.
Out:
{"hour": 10, "minute": 10}
